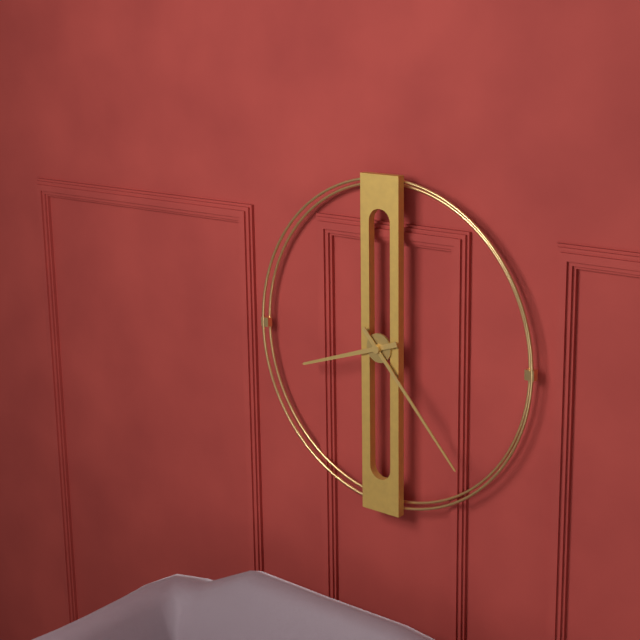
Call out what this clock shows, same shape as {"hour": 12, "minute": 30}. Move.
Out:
{"hour": 8, "minute": 23}
